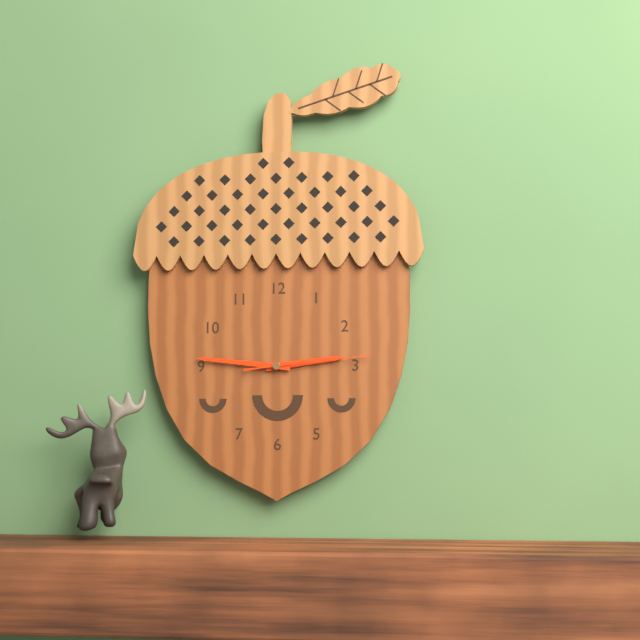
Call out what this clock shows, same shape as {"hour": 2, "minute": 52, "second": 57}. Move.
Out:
{"hour": 2, "minute": 46, "second": 14}
